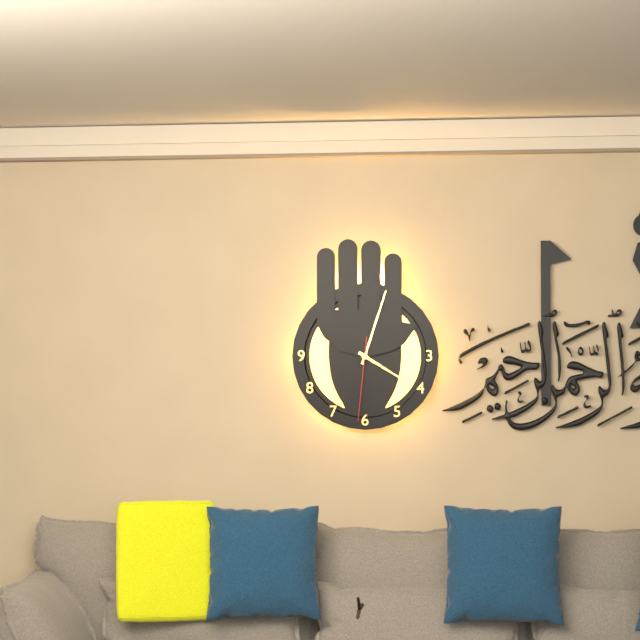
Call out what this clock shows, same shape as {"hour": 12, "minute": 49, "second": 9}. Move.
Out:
{"hour": 4, "minute": 3, "second": 31}
